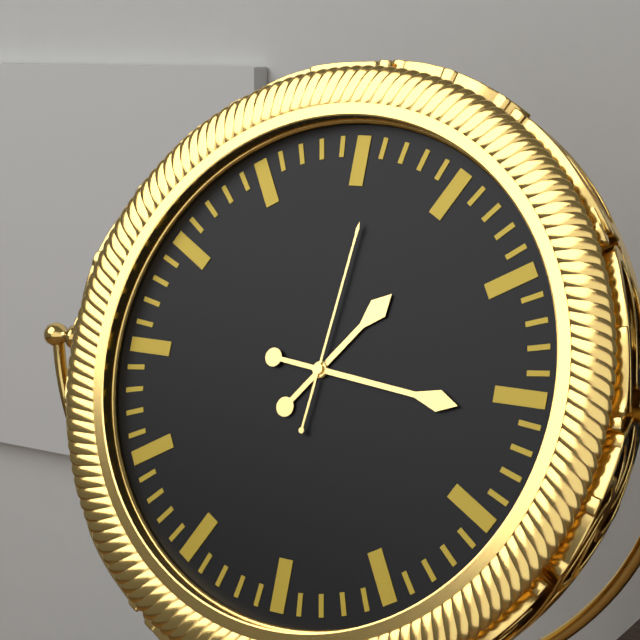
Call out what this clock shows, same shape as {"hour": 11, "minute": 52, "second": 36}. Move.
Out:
{"hour": 1, "minute": 16, "second": 1}
